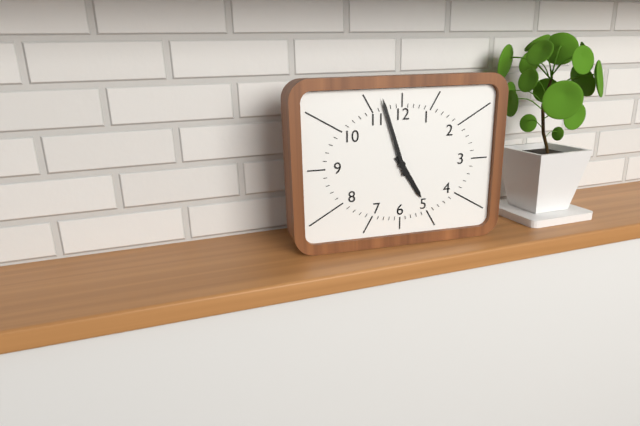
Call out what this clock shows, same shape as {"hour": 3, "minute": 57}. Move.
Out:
{"hour": 4, "minute": 57}
